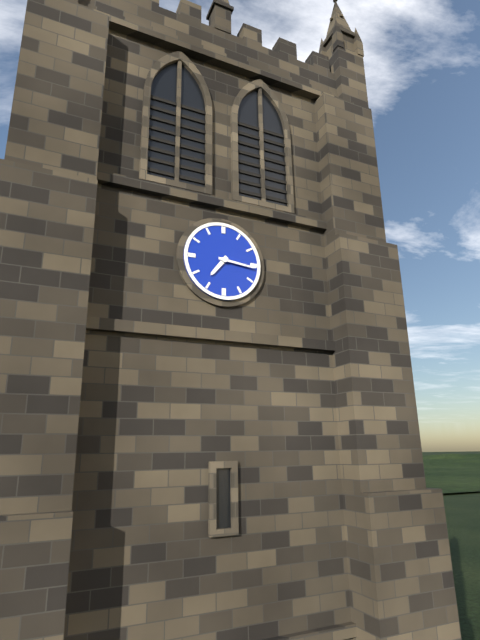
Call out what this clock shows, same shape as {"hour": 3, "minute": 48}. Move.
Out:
{"hour": 7, "minute": 16}
